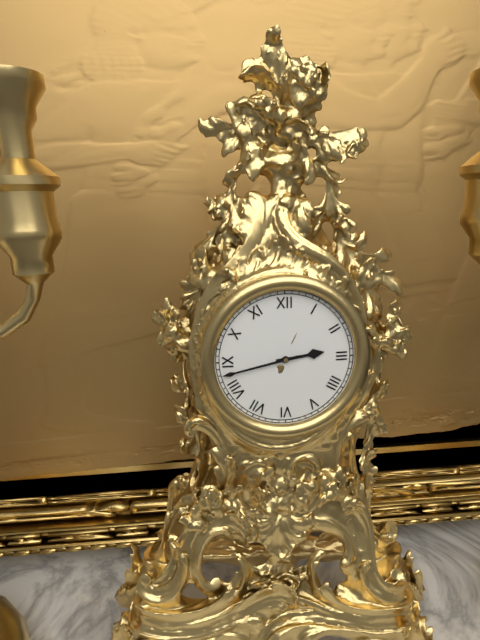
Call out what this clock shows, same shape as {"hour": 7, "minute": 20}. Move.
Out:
{"hour": 2, "minute": 43}
